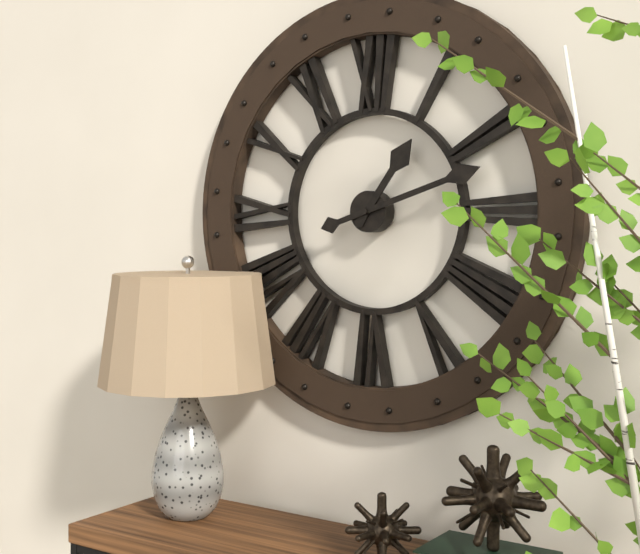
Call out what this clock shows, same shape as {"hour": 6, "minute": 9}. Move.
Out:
{"hour": 1, "minute": 12}
